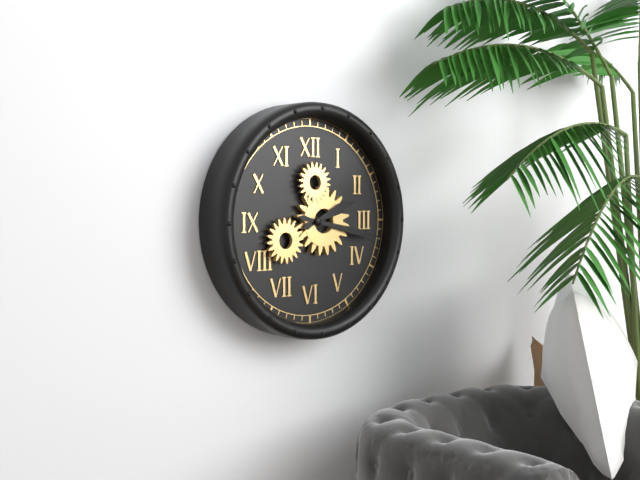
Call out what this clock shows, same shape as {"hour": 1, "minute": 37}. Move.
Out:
{"hour": 2, "minute": 17}
